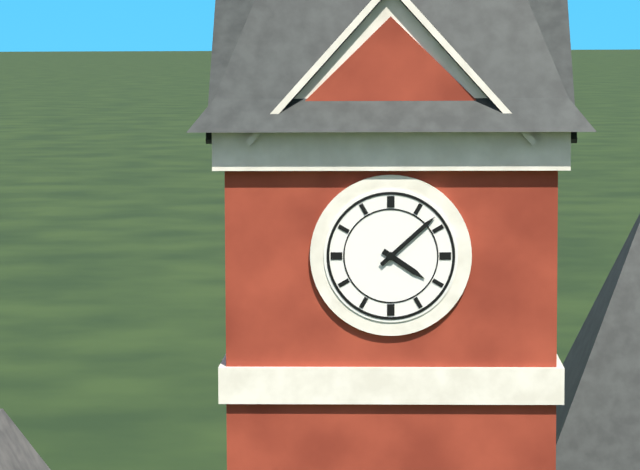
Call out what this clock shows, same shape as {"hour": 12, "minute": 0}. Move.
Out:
{"hour": 4, "minute": 8}
